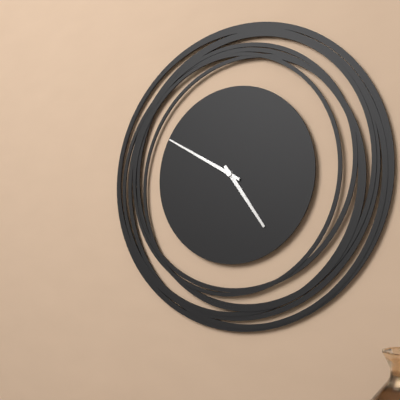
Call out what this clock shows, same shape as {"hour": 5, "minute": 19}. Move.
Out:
{"hour": 4, "minute": 50}
